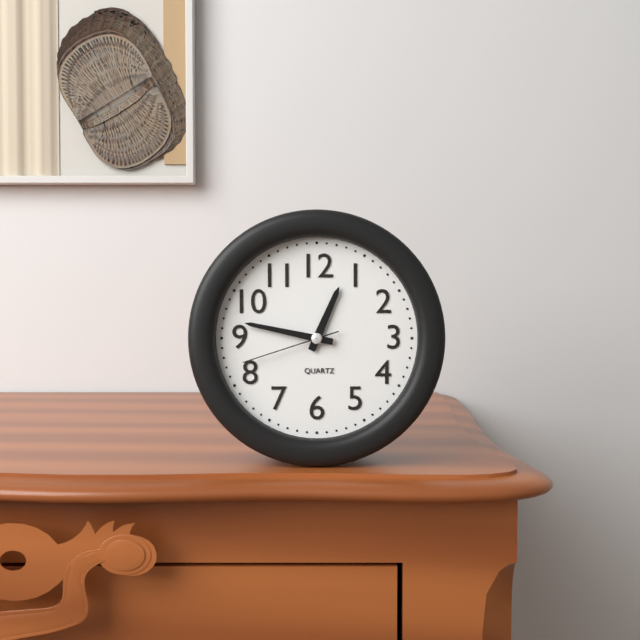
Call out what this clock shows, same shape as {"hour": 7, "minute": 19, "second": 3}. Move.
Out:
{"hour": 12, "minute": 47, "second": 42}
